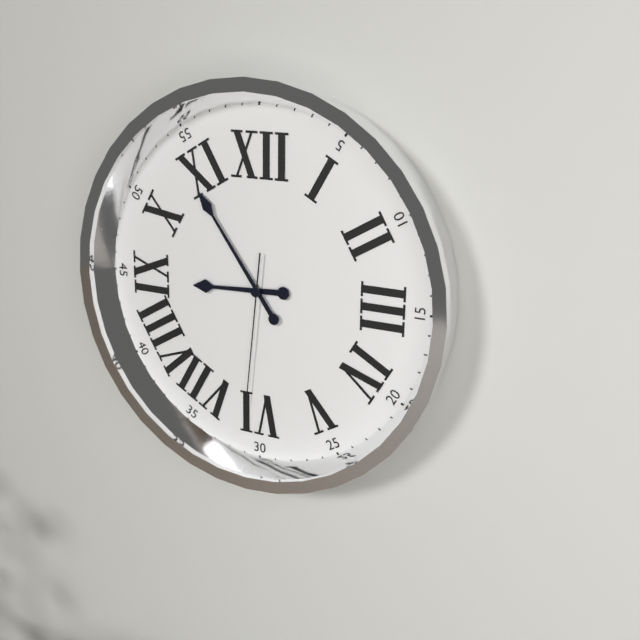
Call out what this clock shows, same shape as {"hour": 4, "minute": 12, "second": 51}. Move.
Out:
{"hour": 8, "minute": 54, "second": 31}
